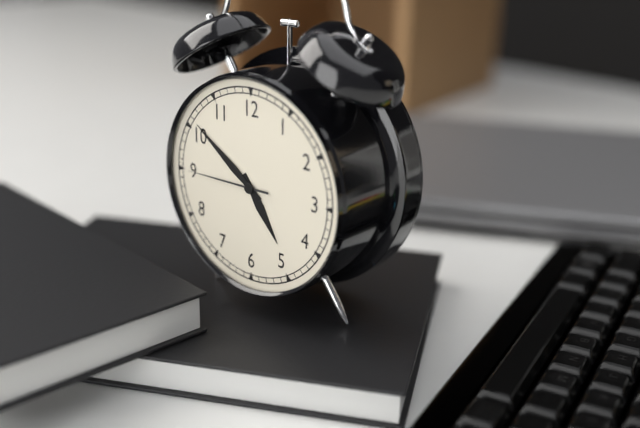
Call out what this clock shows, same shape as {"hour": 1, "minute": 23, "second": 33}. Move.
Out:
{"hour": 4, "minute": 51, "second": 45}
